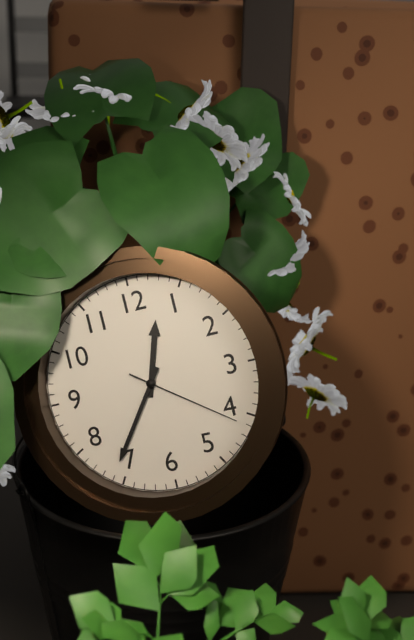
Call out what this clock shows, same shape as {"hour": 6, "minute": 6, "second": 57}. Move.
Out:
{"hour": 12, "minute": 36, "second": 21}
